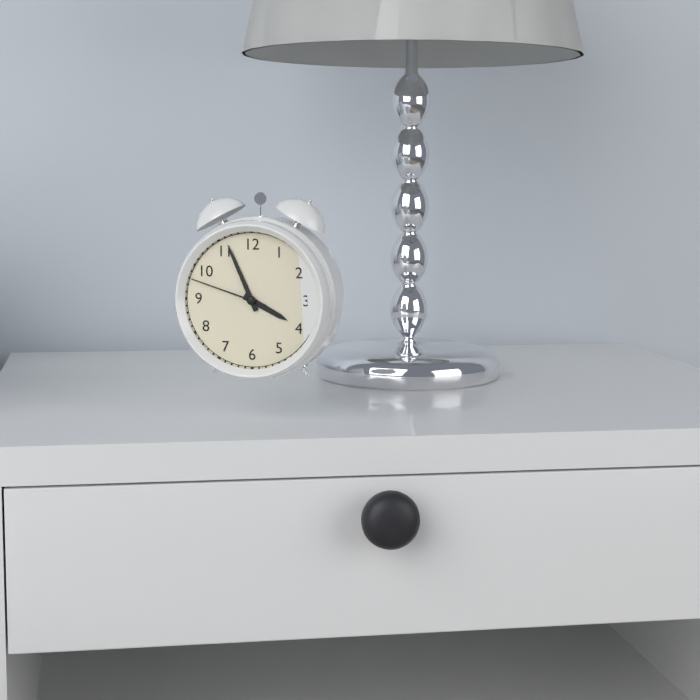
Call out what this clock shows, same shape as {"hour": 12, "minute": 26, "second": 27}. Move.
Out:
{"hour": 3, "minute": 56, "second": 48}
